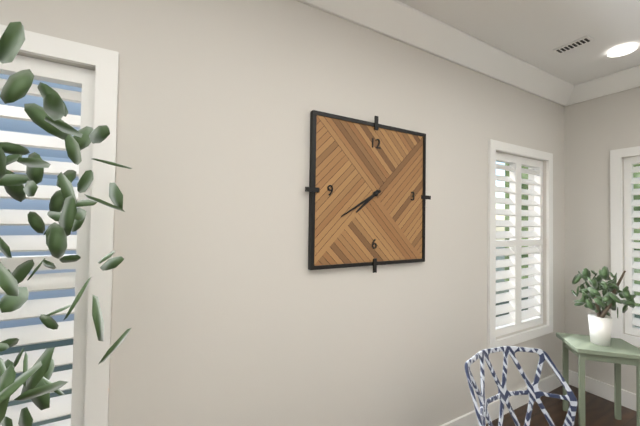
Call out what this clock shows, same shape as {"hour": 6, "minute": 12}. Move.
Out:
{"hour": 7, "minute": 40}
